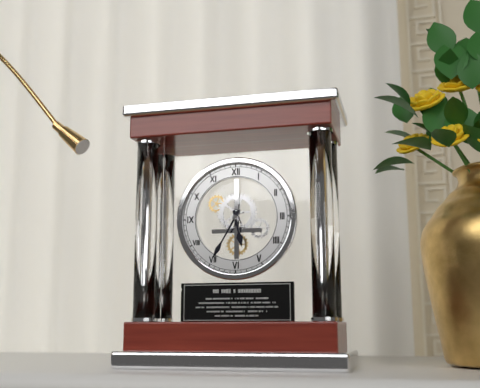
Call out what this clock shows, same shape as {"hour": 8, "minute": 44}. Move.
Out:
{"hour": 5, "minute": 35}
